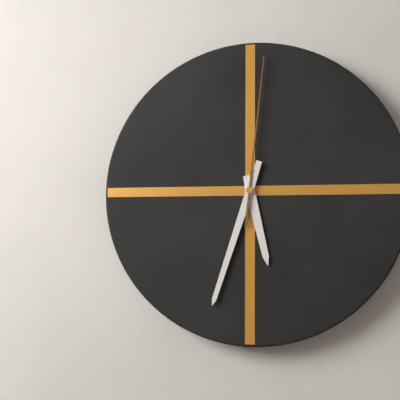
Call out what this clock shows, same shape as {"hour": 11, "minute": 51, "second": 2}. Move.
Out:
{"hour": 5, "minute": 33, "second": 1}
